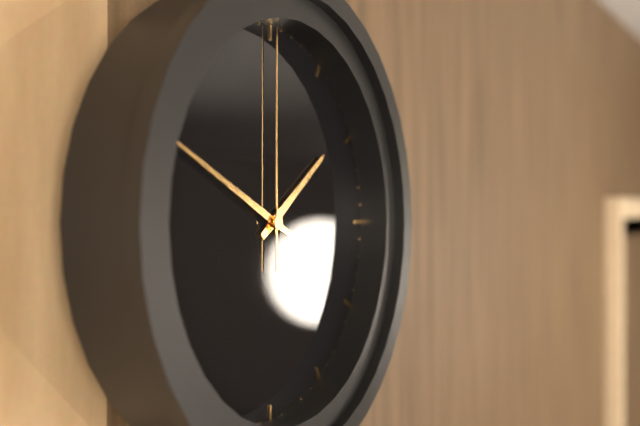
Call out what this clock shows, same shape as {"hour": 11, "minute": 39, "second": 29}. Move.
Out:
{"hour": 1, "minute": 49, "second": 0}
